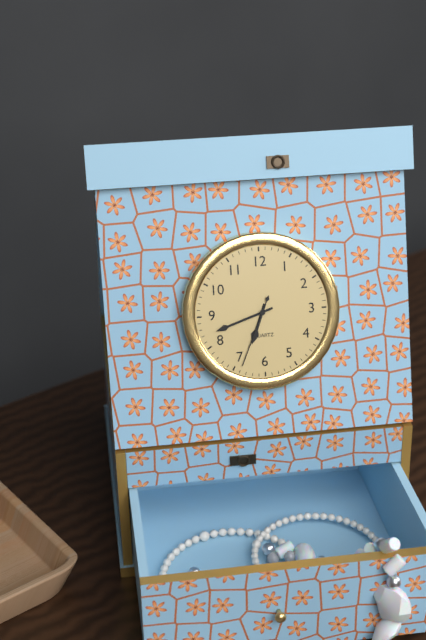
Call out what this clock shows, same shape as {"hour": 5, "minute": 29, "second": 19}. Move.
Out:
{"hour": 6, "minute": 42, "second": 34}
